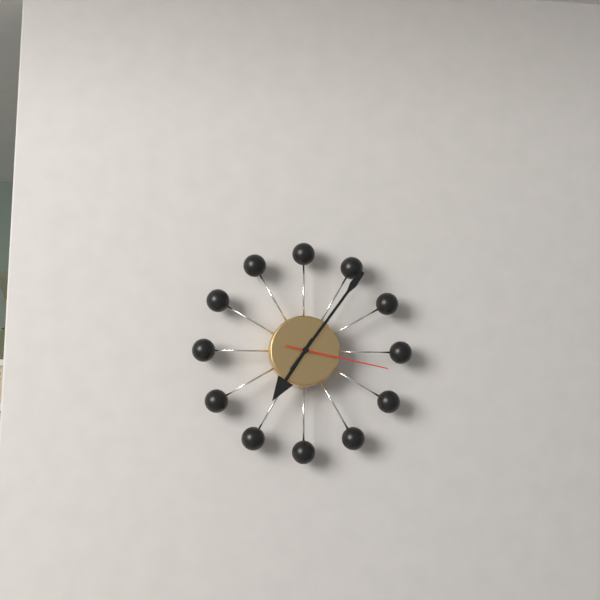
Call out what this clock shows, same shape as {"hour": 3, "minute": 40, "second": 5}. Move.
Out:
{"hour": 7, "minute": 6, "second": 17}
